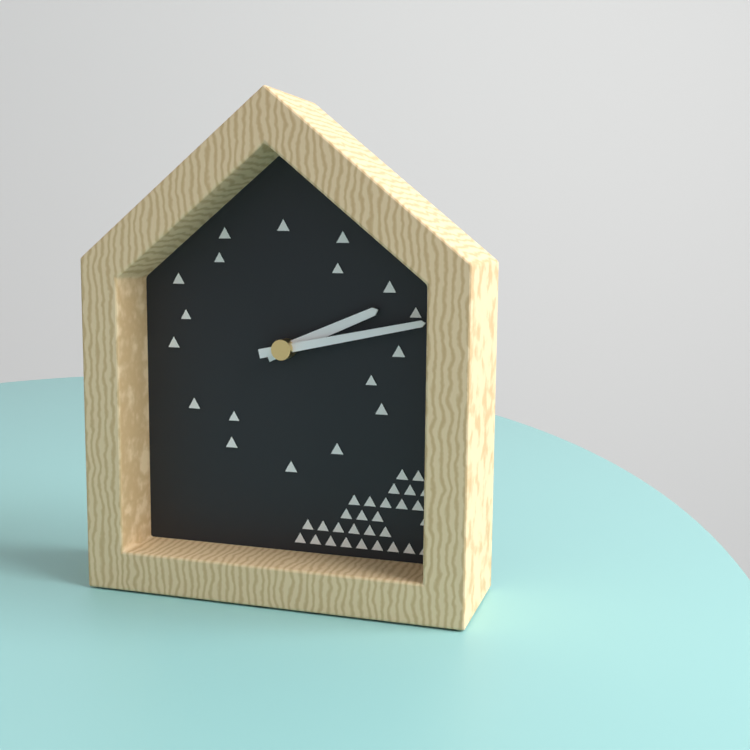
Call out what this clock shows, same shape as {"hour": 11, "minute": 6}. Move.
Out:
{"hour": 2, "minute": 13}
